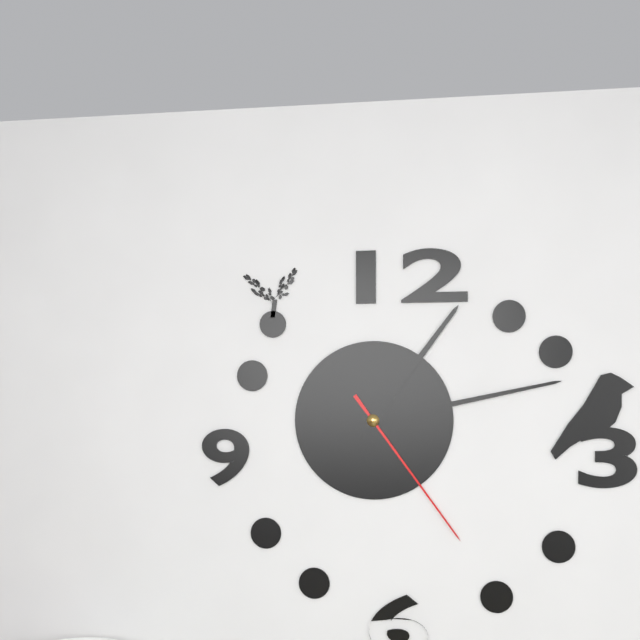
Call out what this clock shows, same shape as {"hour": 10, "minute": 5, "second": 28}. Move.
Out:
{"hour": 1, "minute": 13, "second": 24}
